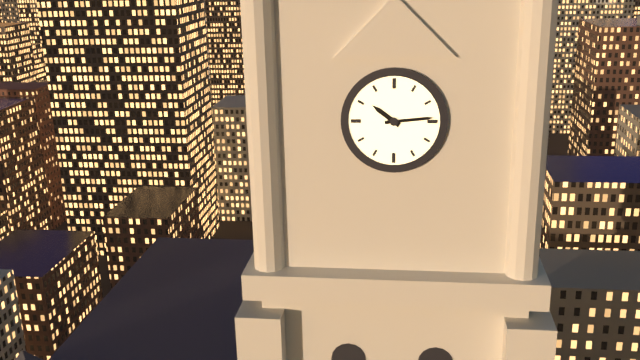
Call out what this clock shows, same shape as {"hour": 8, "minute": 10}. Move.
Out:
{"hour": 10, "minute": 14}
